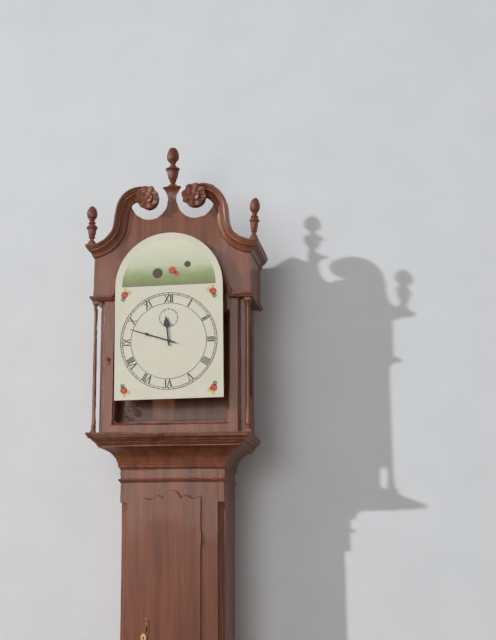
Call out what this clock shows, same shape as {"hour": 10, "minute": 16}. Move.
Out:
{"hour": 11, "minute": 48}
